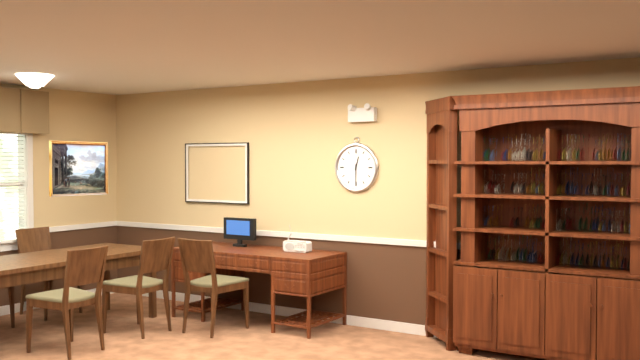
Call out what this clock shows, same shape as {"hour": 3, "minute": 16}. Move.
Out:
{"hour": 12, "minute": 30}
